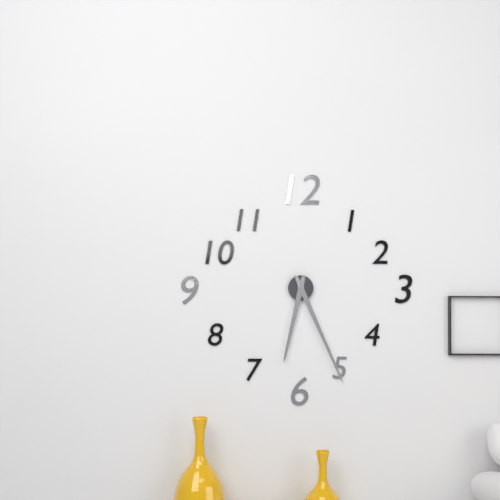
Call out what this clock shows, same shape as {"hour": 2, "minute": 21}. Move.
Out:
{"hour": 6, "minute": 26}
